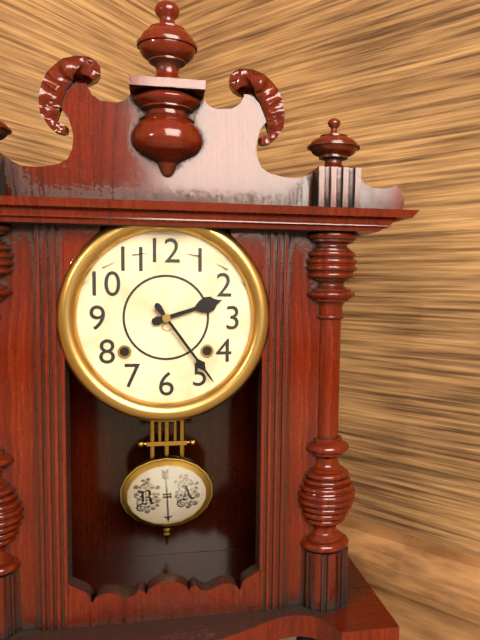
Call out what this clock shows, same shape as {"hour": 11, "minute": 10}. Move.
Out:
{"hour": 2, "minute": 24}
